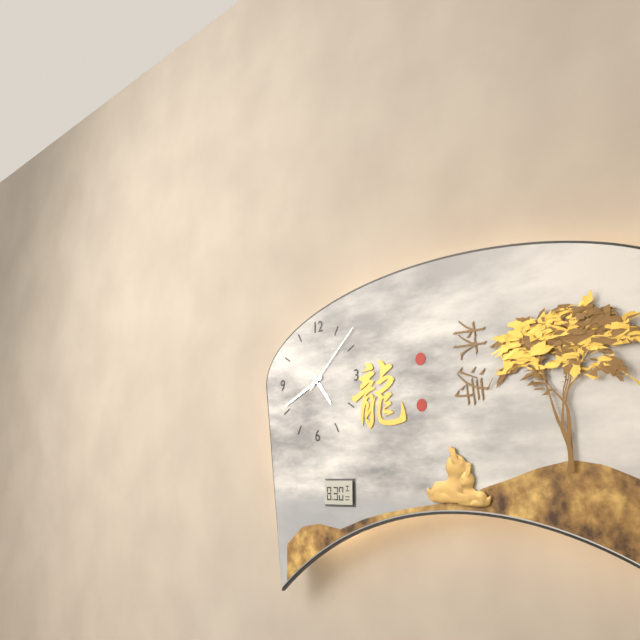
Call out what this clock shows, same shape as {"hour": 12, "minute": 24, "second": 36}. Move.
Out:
{"hour": 4, "minute": 41, "second": 8}
